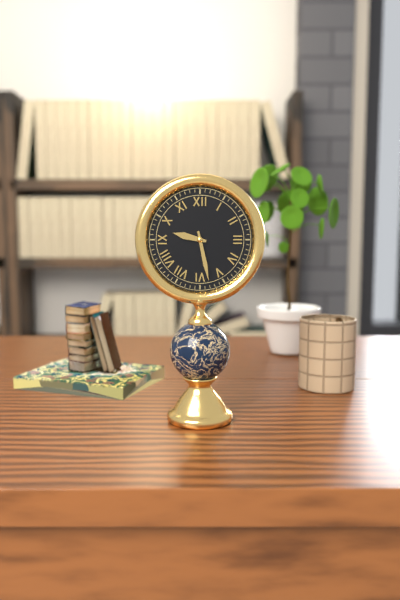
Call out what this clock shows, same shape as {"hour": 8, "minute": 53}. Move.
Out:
{"hour": 9, "minute": 28}
